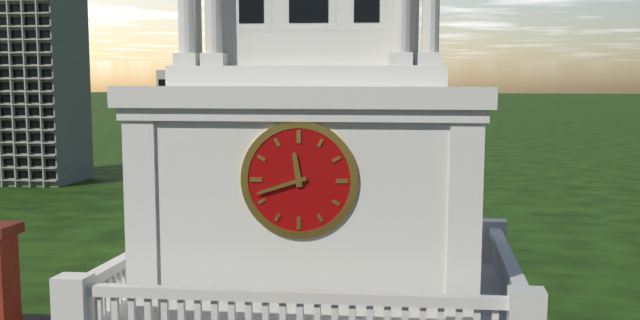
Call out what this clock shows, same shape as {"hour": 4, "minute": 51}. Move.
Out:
{"hour": 11, "minute": 42}
